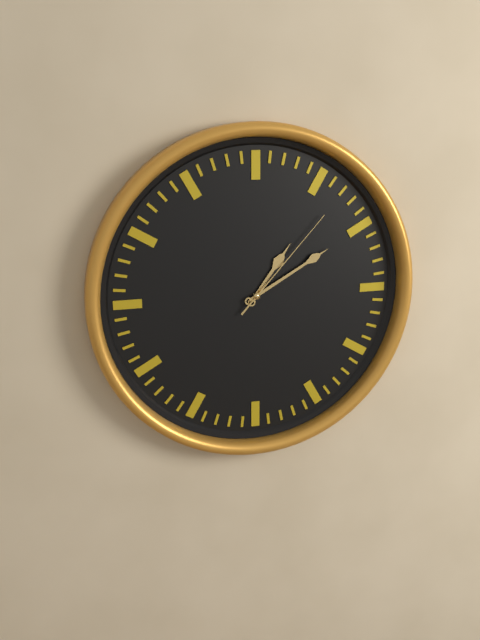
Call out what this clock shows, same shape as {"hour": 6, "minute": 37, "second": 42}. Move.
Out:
{"hour": 1, "minute": 10, "second": 7}
